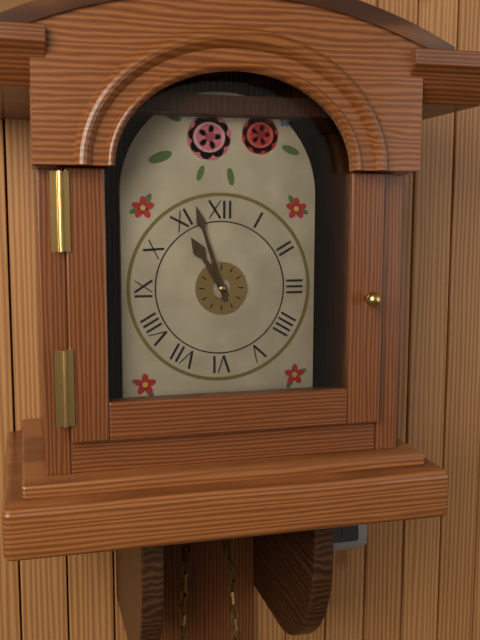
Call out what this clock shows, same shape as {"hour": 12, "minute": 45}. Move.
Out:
{"hour": 10, "minute": 57}
